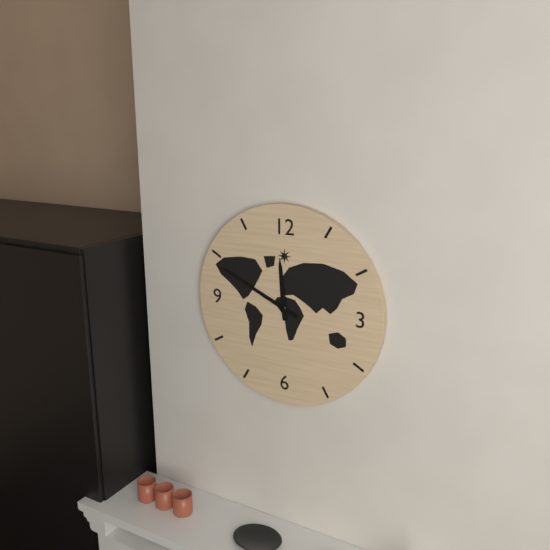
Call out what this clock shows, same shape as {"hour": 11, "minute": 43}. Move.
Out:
{"hour": 11, "minute": 49}
